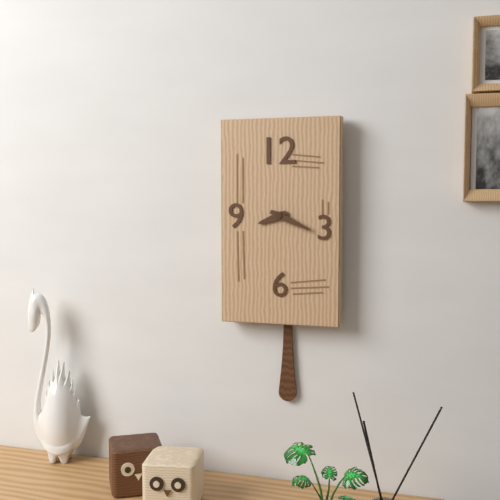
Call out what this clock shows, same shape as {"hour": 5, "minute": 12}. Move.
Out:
{"hour": 8, "minute": 19}
